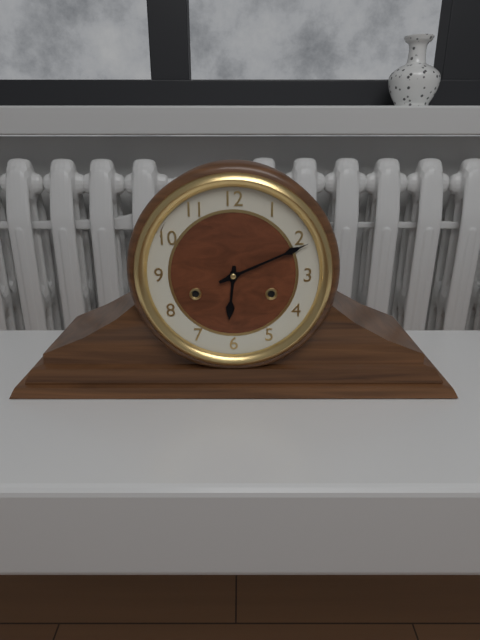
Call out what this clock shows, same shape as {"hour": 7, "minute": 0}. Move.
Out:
{"hour": 6, "minute": 11}
